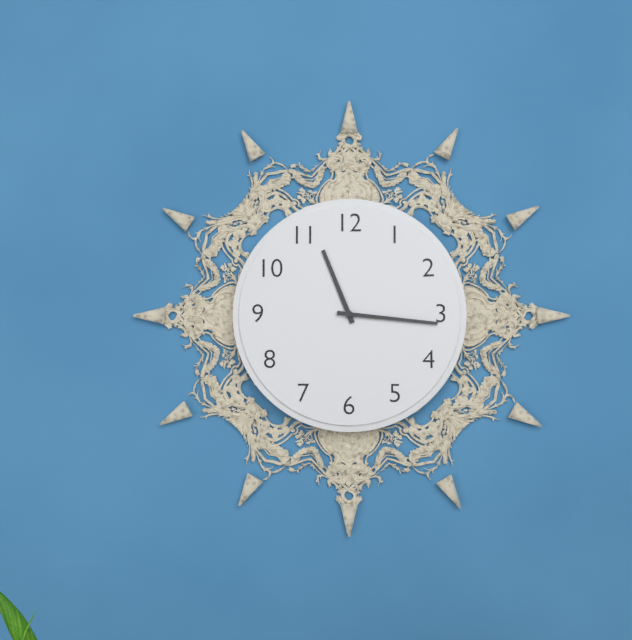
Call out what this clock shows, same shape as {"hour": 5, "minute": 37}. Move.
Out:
{"hour": 11, "minute": 16}
